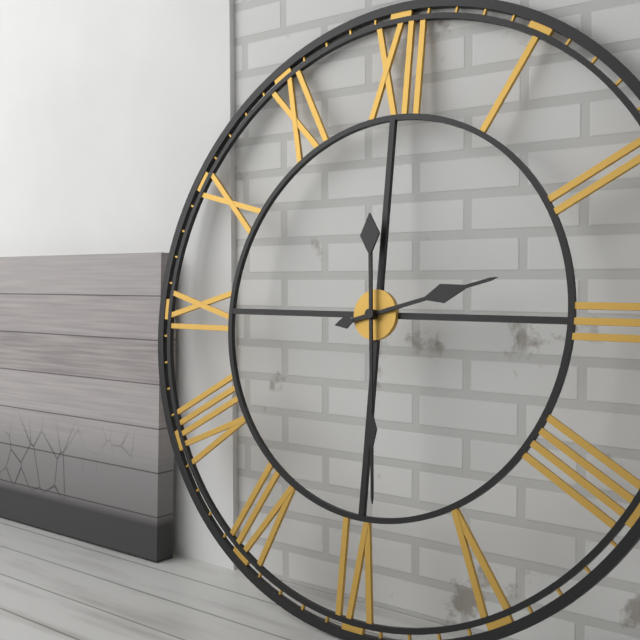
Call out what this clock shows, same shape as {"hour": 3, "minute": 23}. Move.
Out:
{"hour": 2, "minute": 29}
